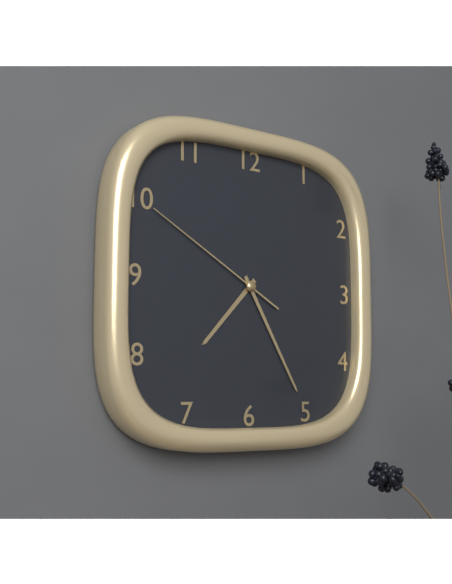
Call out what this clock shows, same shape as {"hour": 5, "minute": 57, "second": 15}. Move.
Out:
{"hour": 7, "minute": 25, "second": 50}
